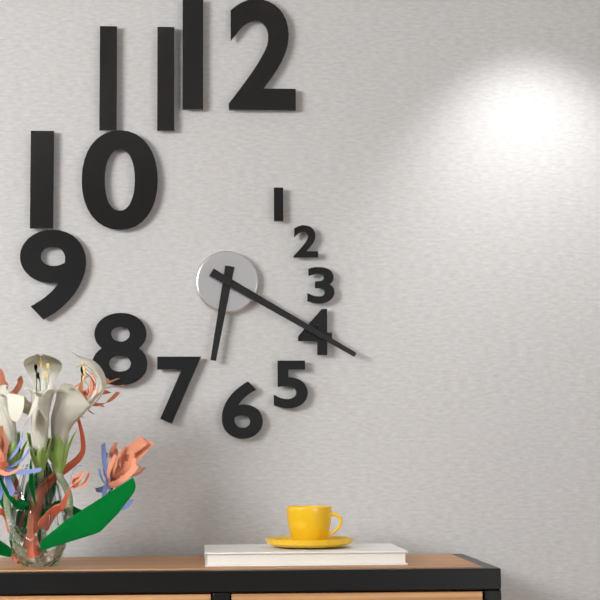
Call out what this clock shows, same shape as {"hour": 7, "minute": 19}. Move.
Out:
{"hour": 6, "minute": 20}
